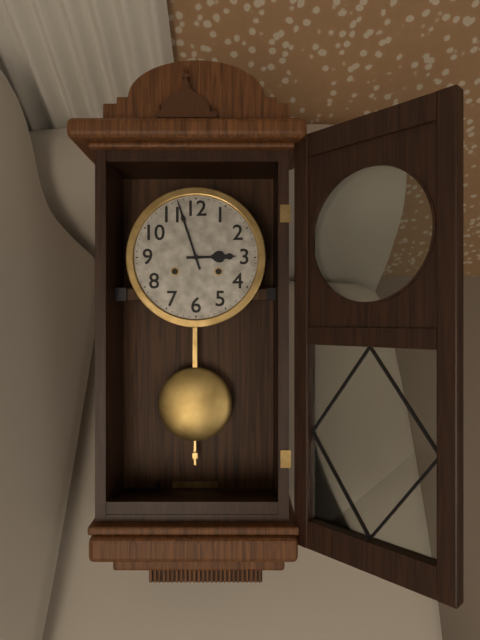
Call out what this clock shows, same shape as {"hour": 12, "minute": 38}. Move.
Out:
{"hour": 2, "minute": 57}
